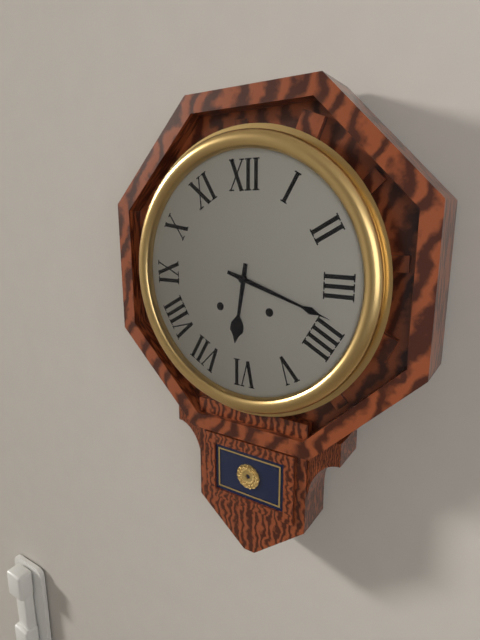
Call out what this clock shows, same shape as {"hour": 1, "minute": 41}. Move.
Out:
{"hour": 6, "minute": 18}
